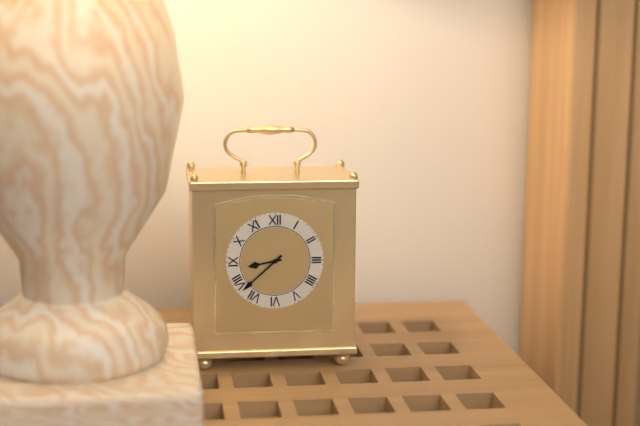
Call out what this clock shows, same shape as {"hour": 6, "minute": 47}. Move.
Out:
{"hour": 8, "minute": 38}
